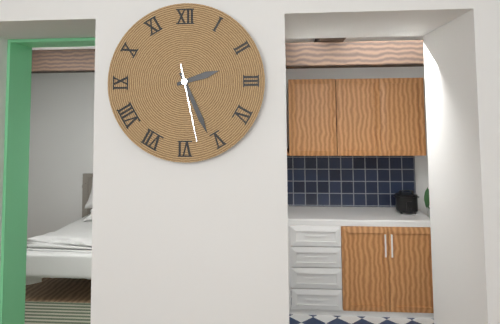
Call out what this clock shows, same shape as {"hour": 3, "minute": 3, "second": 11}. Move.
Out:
{"hour": 2, "minute": 26, "second": 28}
